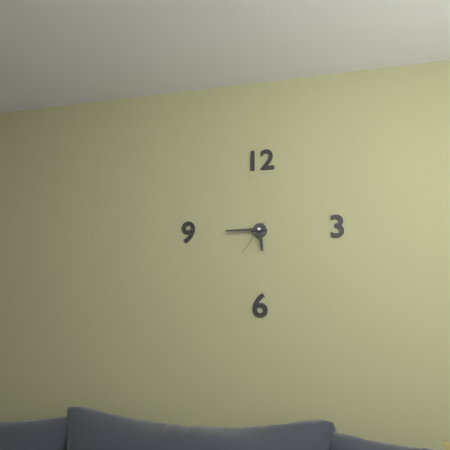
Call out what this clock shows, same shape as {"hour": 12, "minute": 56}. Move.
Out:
{"hour": 5, "minute": 45}
